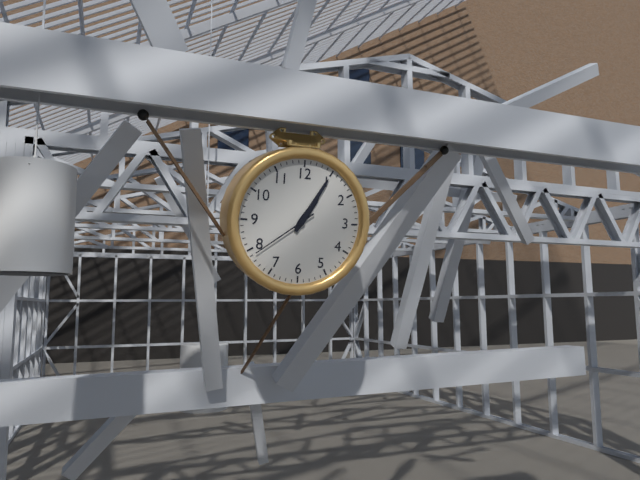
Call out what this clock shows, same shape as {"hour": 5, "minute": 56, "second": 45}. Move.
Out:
{"hour": 1, "minute": 5, "second": 39}
